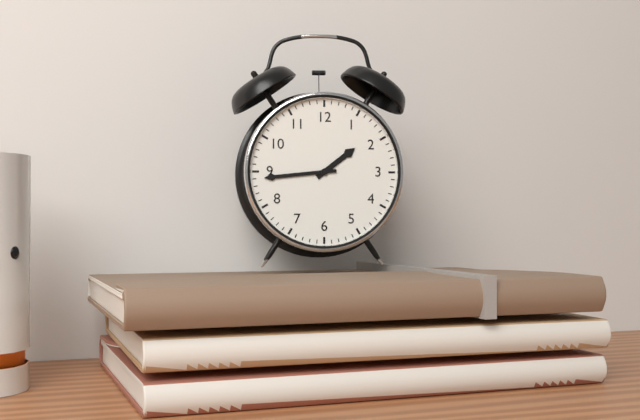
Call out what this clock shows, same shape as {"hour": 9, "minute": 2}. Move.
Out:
{"hour": 1, "minute": 44}
